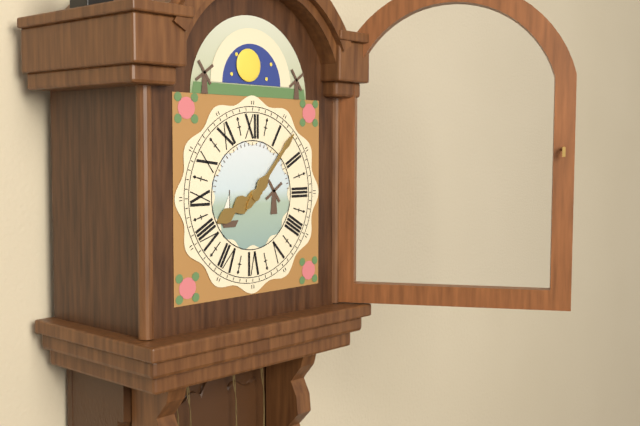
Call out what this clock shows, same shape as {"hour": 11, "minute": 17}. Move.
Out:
{"hour": 8, "minute": 7}
